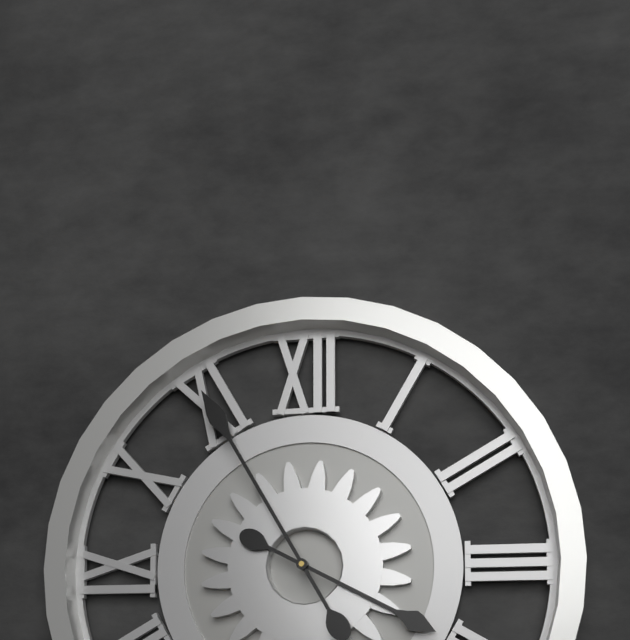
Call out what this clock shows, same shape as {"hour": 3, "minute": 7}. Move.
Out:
{"hour": 3, "minute": 55}
